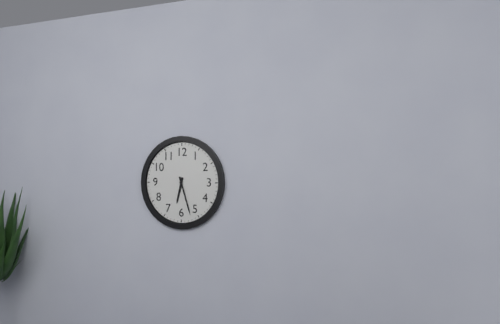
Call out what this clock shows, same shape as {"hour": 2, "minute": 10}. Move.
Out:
{"hour": 6, "minute": 27}
